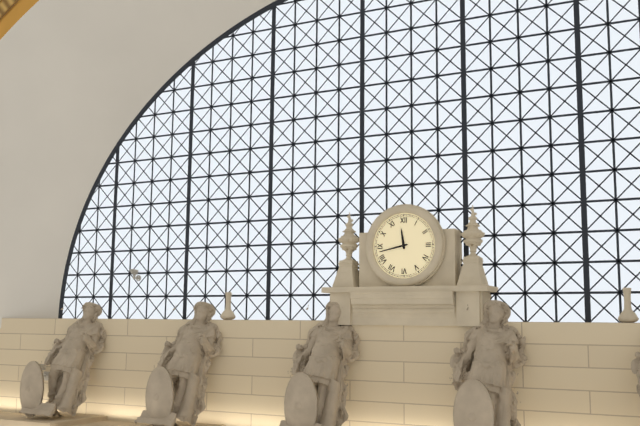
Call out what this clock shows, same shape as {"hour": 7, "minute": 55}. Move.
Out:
{"hour": 11, "minute": 43}
